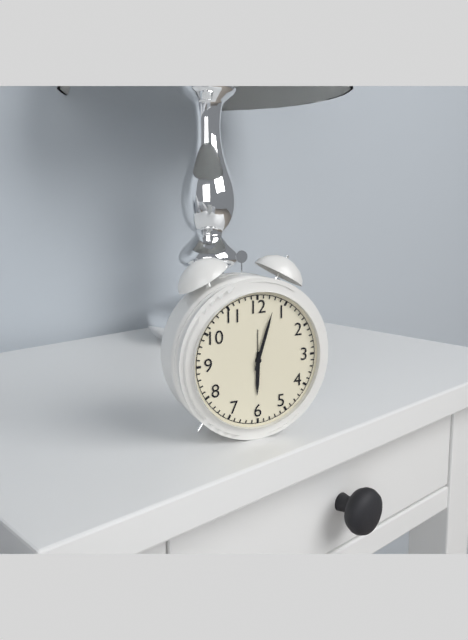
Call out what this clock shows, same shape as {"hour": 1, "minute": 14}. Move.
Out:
{"hour": 6, "minute": 3}
